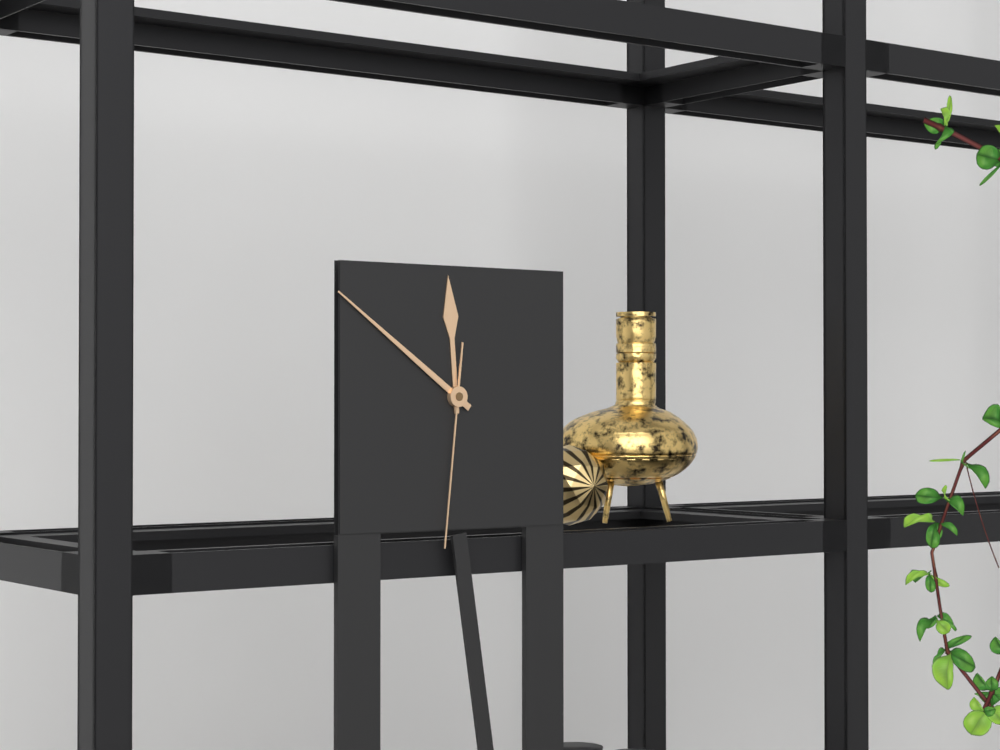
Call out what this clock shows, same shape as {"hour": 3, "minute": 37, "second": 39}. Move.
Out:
{"hour": 11, "minute": 51, "second": 31}
